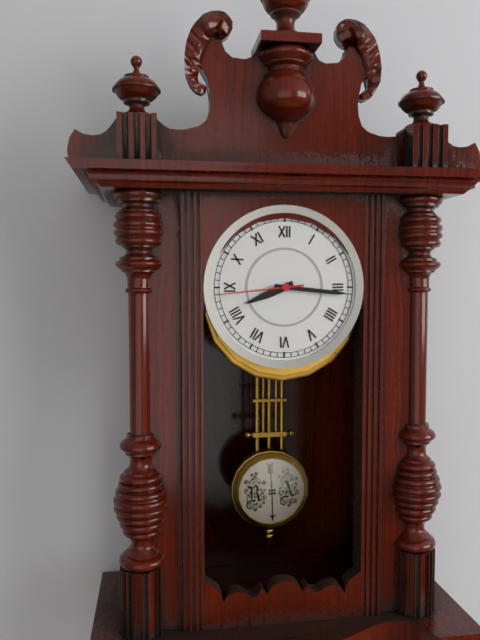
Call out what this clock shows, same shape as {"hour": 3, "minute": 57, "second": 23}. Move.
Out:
{"hour": 8, "minute": 16, "second": 44}
